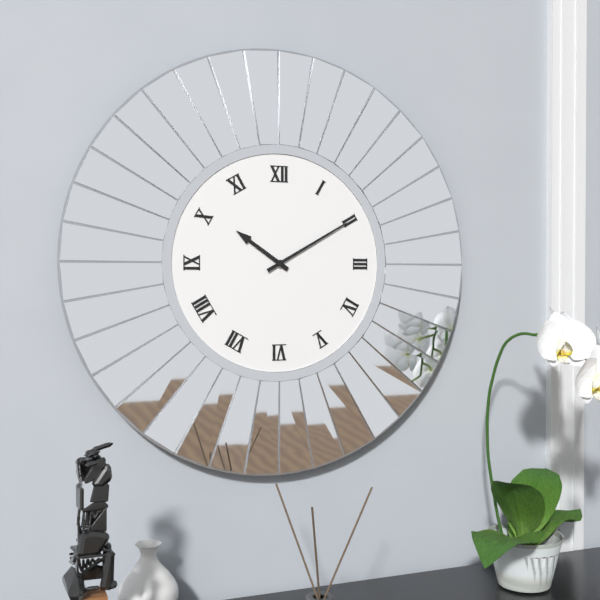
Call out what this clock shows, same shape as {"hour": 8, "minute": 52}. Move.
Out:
{"hour": 10, "minute": 10}
